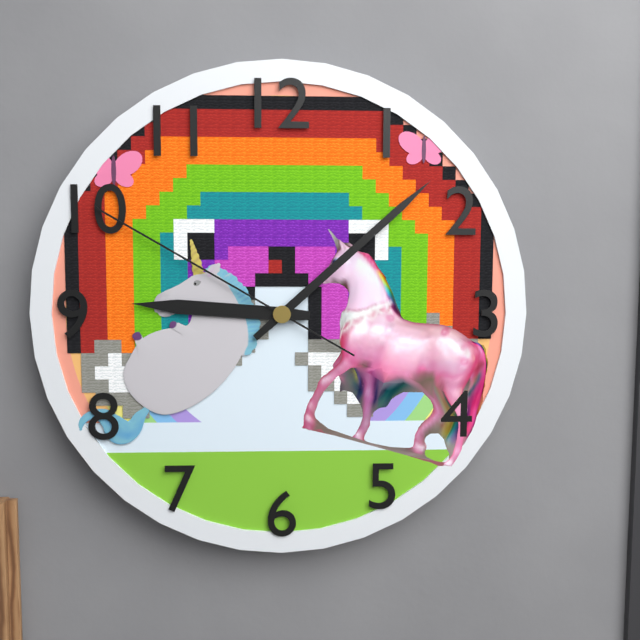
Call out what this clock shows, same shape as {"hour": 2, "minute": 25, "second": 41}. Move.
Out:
{"hour": 9, "minute": 8, "second": 50}
